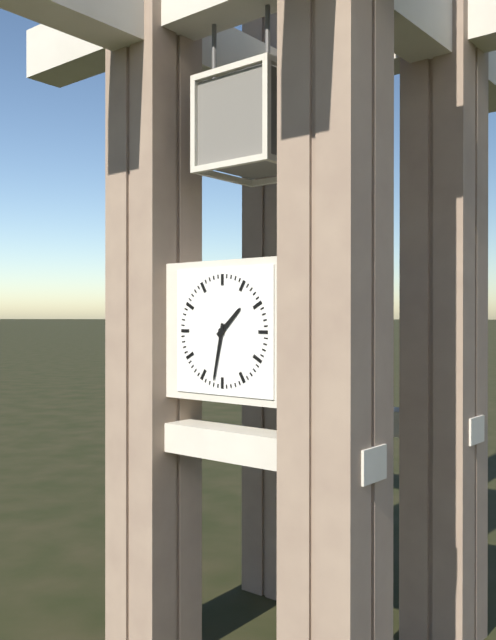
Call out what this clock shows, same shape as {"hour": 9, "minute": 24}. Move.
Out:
{"hour": 1, "minute": 32}
